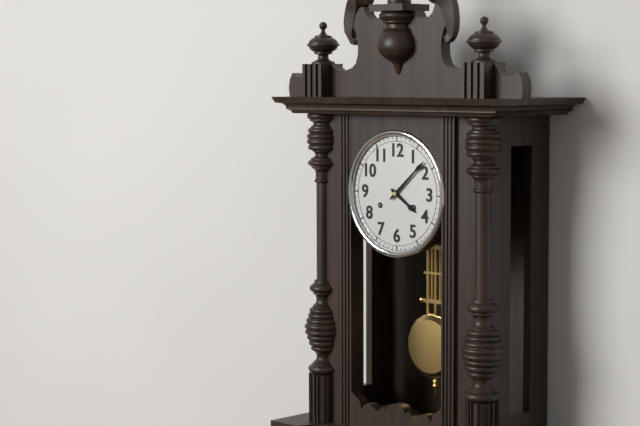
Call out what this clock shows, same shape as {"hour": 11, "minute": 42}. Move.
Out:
{"hour": 4, "minute": 8}
